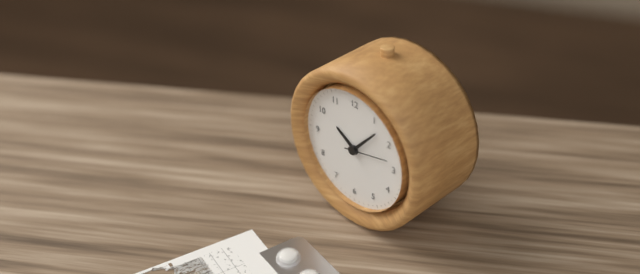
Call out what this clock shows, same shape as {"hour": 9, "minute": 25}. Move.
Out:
{"hour": 10, "minute": 7}
